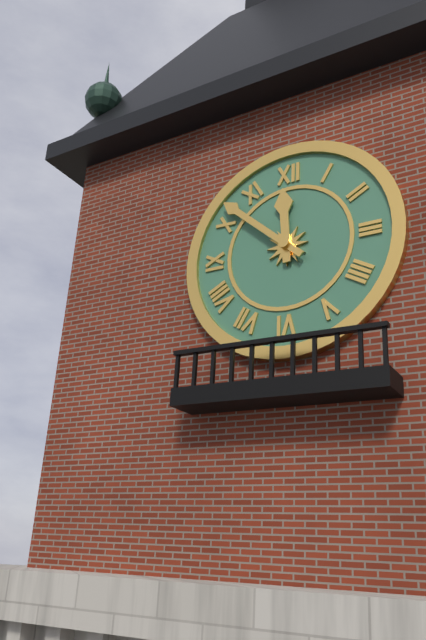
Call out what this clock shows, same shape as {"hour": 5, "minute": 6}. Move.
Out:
{"hour": 11, "minute": 52}
